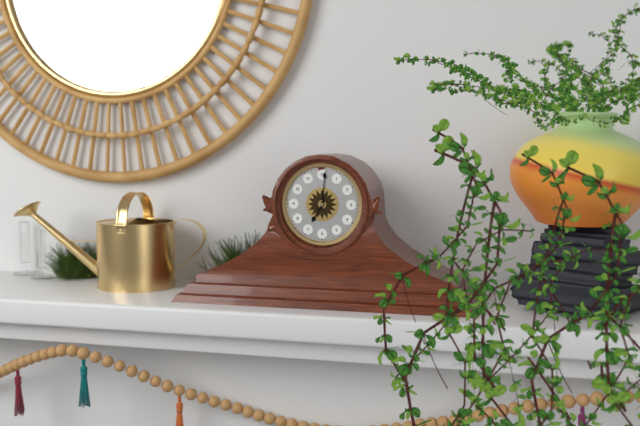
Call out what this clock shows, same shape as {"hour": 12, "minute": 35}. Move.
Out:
{"hour": 7, "minute": 1}
